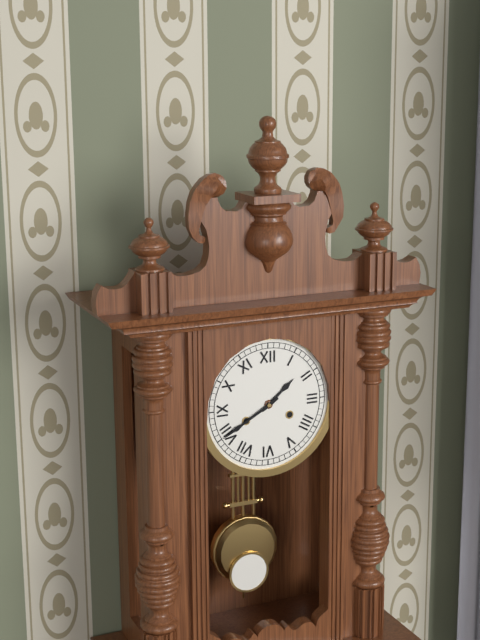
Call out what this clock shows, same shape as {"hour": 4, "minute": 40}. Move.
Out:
{"hour": 1, "minute": 40}
